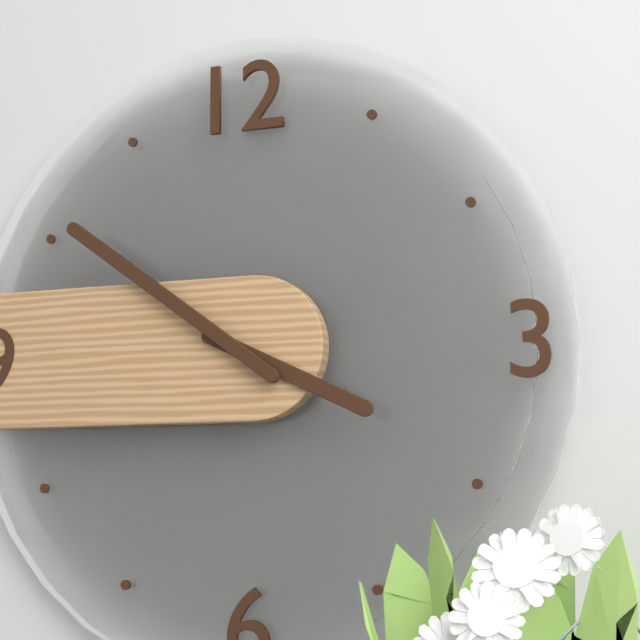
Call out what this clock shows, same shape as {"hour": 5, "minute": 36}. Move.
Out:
{"hour": 3, "minute": 51}
